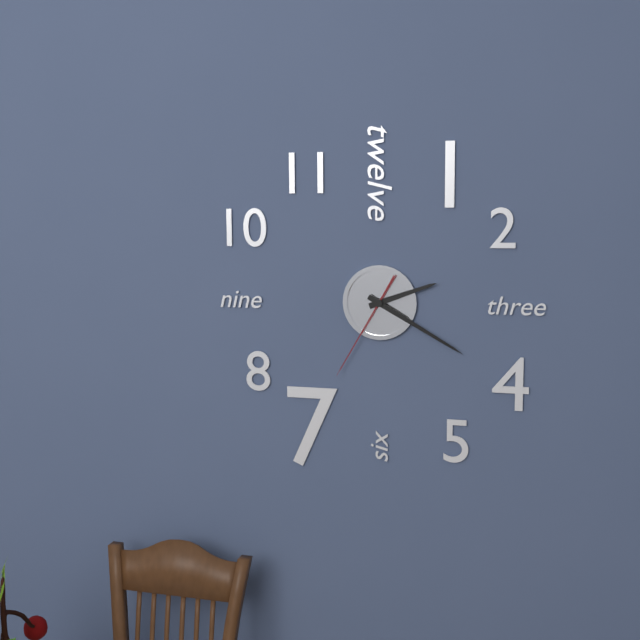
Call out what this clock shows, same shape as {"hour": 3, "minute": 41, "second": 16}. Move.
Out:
{"hour": 2, "minute": 20, "second": 35}
